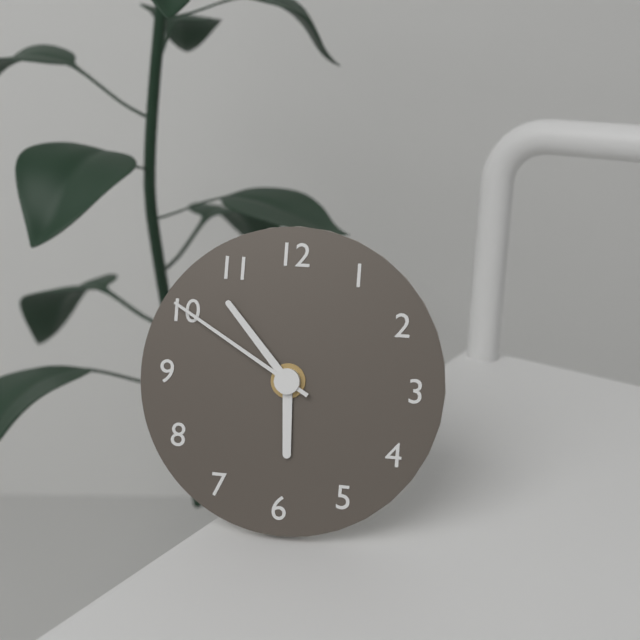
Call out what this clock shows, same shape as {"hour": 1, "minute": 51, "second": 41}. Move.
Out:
{"hour": 5, "minute": 53, "second": 50}
